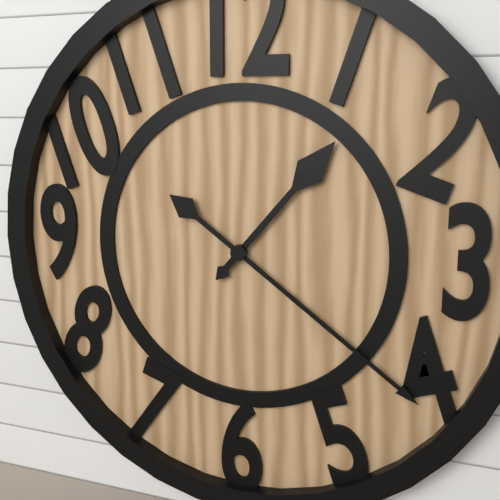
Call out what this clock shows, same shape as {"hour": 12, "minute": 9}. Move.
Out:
{"hour": 1, "minute": 21}
